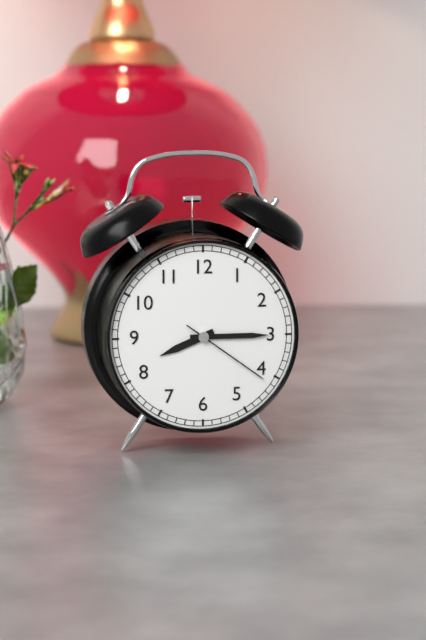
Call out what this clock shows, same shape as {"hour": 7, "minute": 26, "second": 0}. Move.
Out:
{"hour": 8, "minute": 15, "second": 21}
